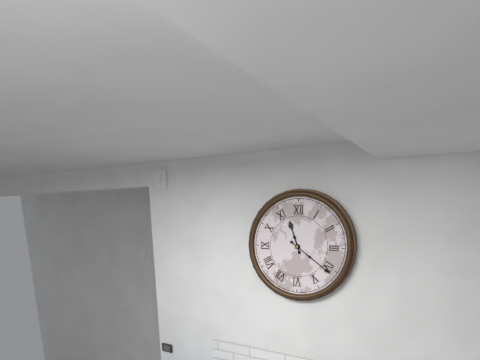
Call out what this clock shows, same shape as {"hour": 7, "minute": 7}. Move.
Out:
{"hour": 11, "minute": 21}
